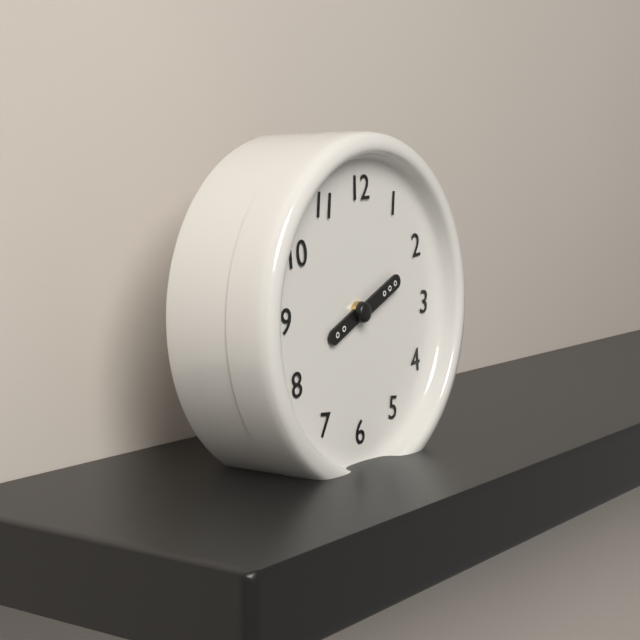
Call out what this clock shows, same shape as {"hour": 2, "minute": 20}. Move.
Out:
{"hour": 8, "minute": 11}
